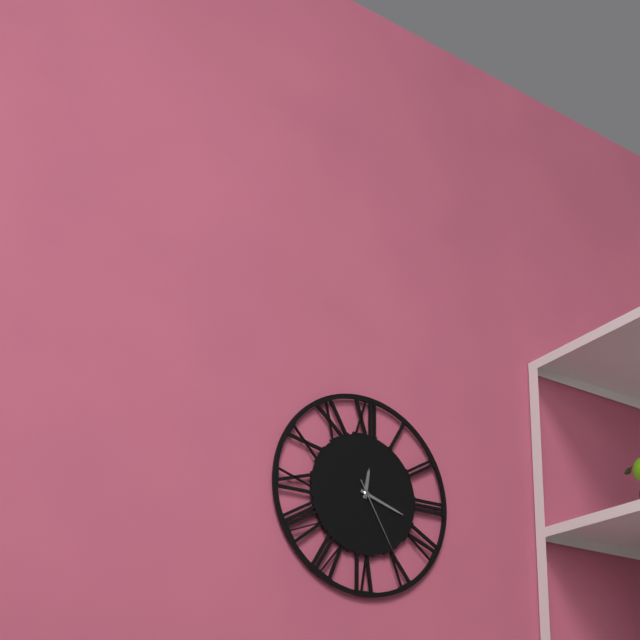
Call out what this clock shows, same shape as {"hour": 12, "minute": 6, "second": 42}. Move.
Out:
{"hour": 12, "minute": 18, "second": 25}
